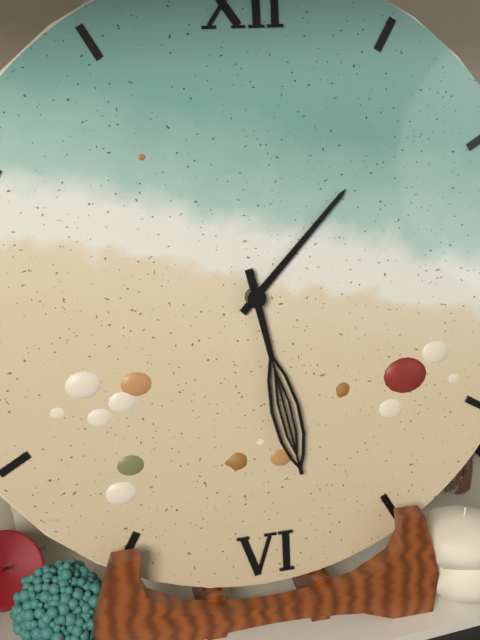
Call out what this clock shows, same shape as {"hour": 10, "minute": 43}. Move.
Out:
{"hour": 1, "minute": 28}
